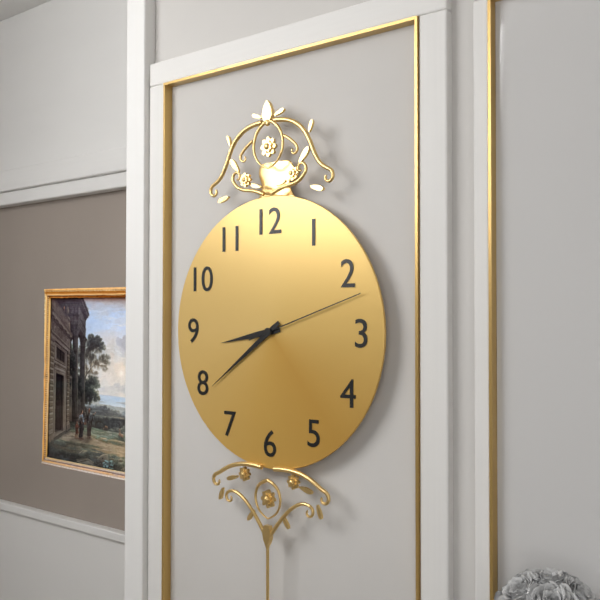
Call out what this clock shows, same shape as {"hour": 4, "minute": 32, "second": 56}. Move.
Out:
{"hour": 8, "minute": 39, "second": 12}
